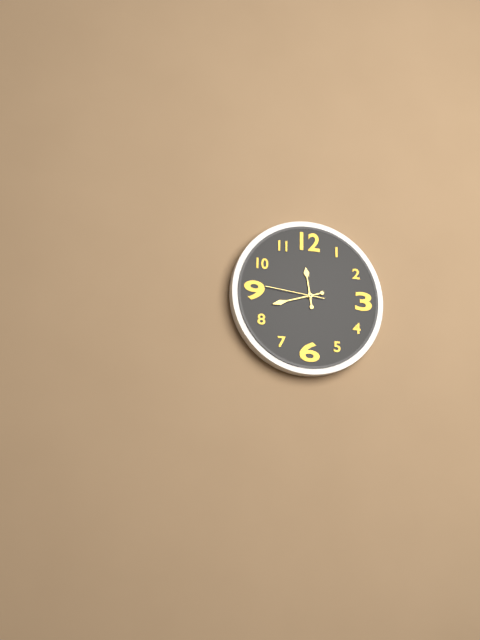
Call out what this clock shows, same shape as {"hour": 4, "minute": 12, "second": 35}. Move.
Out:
{"hour": 11, "minute": 42, "second": 46}
